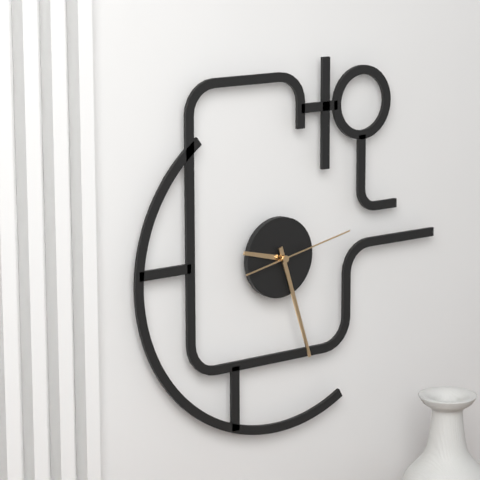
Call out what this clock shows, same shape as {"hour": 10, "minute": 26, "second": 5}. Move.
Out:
{"hour": 9, "minute": 27, "second": 13}
